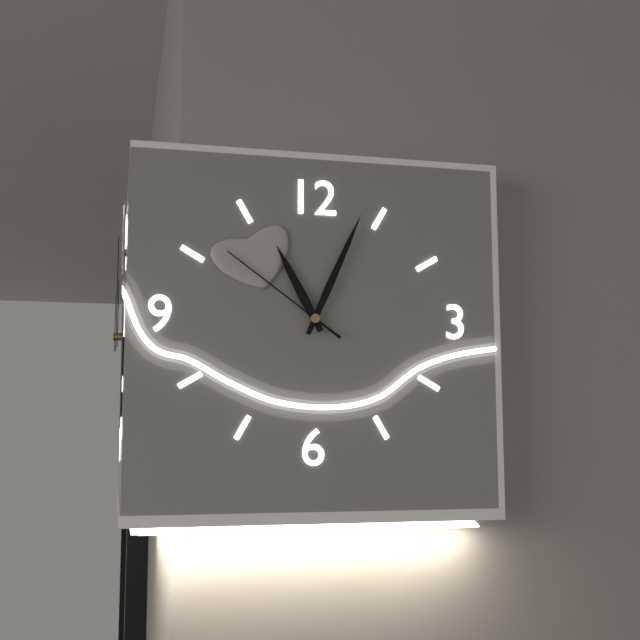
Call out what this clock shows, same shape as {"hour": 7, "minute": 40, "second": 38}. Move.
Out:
{"hour": 11, "minute": 4, "second": 51}
